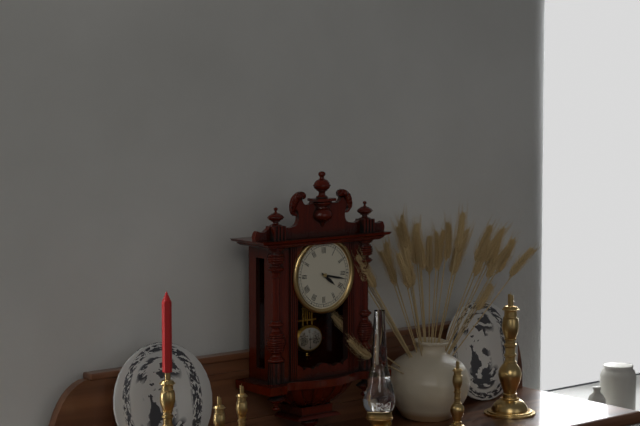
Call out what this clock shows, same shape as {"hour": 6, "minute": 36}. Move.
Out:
{"hour": 4, "minute": 17}
